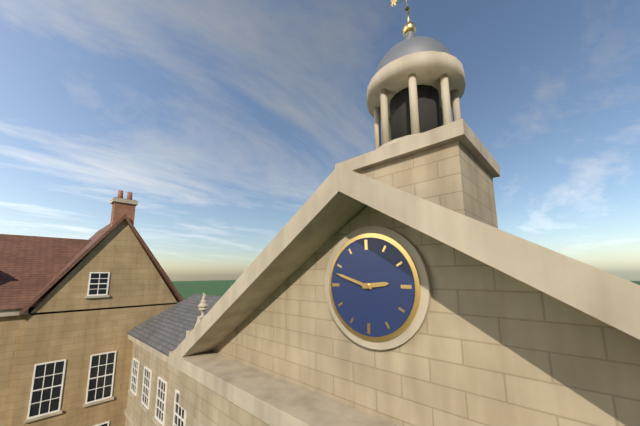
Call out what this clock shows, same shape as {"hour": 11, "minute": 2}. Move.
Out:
{"hour": 2, "minute": 48}
